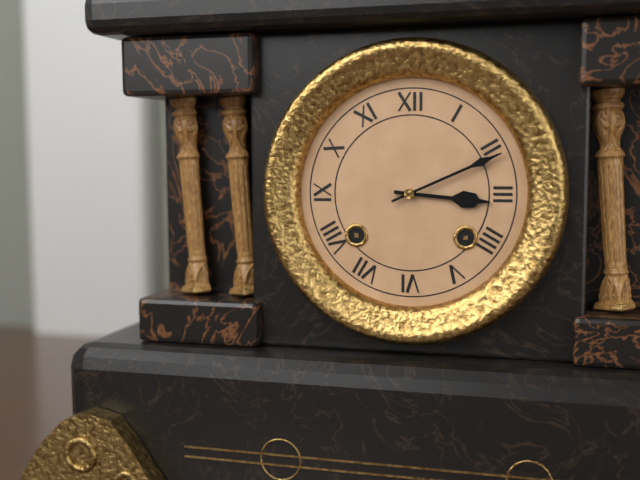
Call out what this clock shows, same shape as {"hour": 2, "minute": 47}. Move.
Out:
{"hour": 3, "minute": 11}
